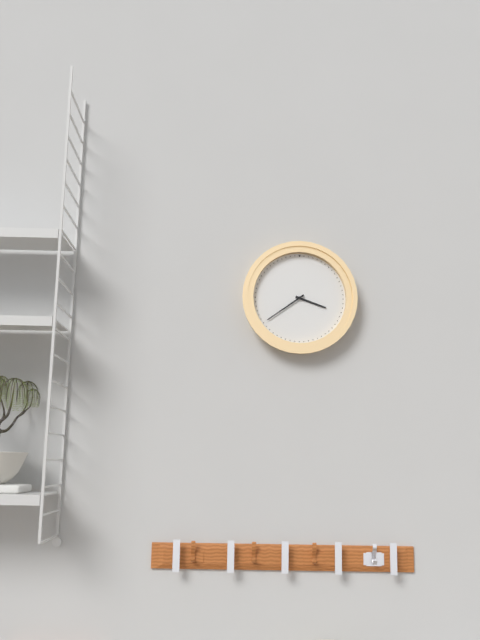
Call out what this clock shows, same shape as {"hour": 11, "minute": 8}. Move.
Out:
{"hour": 3, "minute": 39}
